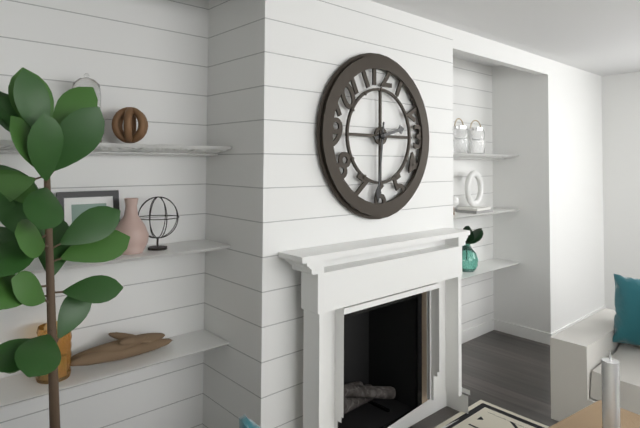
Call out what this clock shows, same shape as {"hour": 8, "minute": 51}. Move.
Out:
{"hour": 2, "minute": 31}
